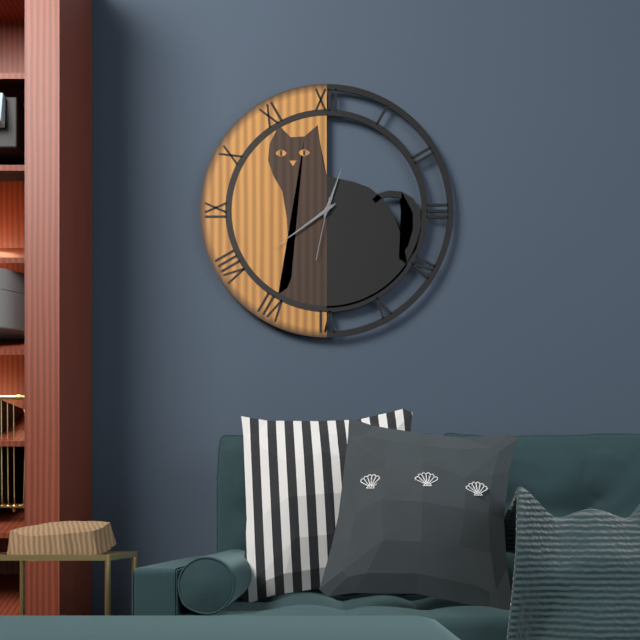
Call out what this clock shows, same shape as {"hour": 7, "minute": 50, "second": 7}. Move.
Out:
{"hour": 12, "minute": 39, "second": 32}
